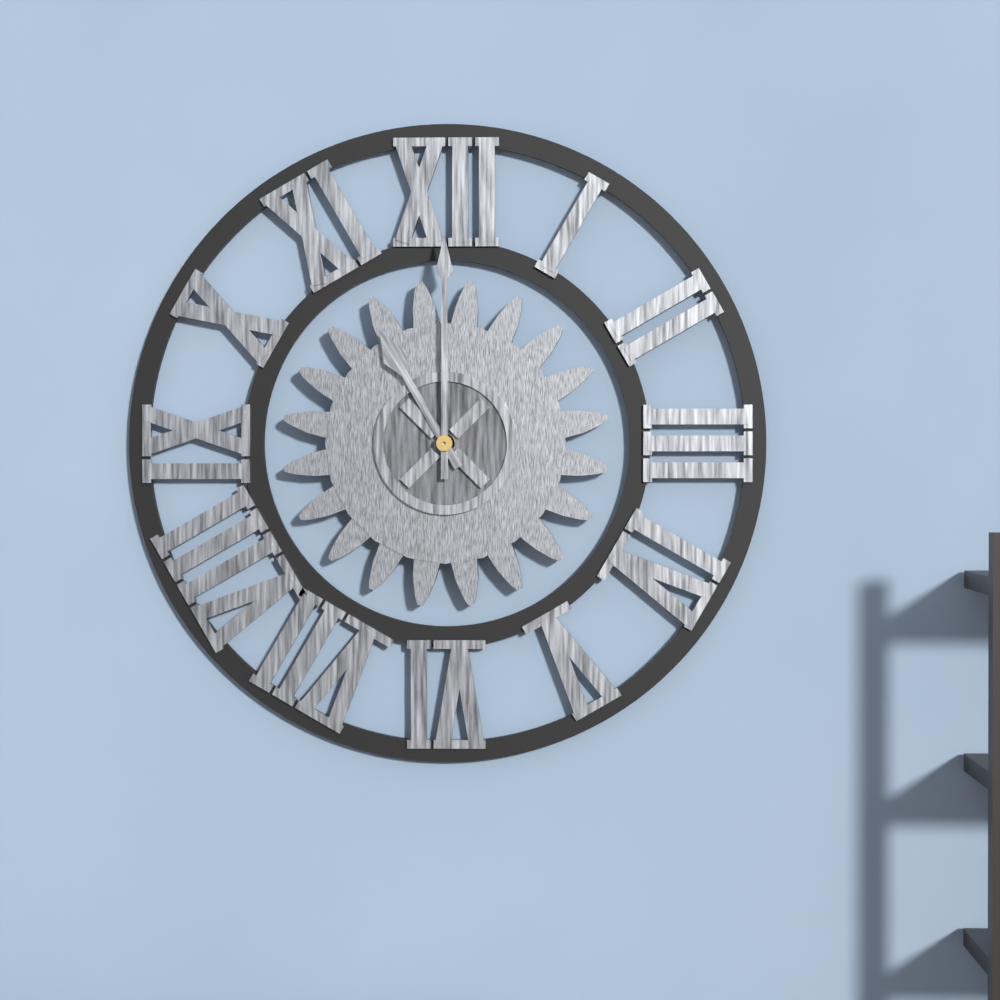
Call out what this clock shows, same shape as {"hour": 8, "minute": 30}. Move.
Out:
{"hour": 11, "minute": 0}
